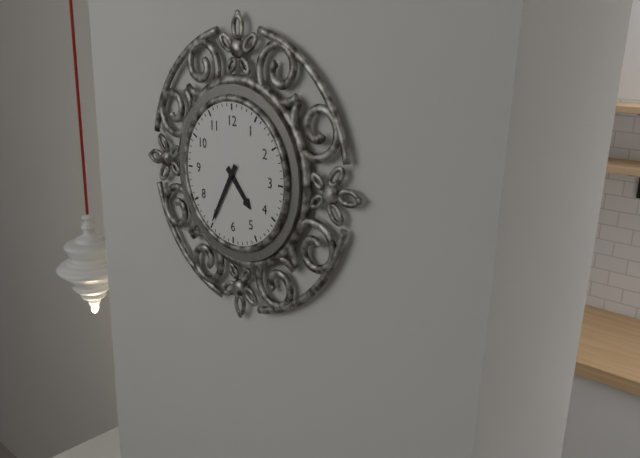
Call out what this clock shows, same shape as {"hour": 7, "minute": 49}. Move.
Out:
{"hour": 4, "minute": 35}
